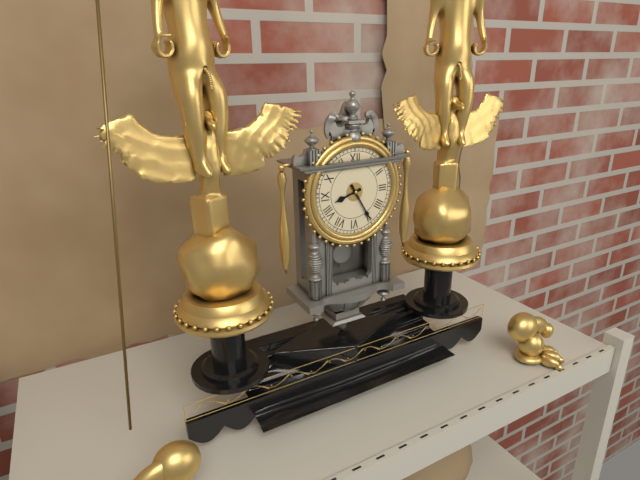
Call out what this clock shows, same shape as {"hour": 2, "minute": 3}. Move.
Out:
{"hour": 8, "minute": 25}
